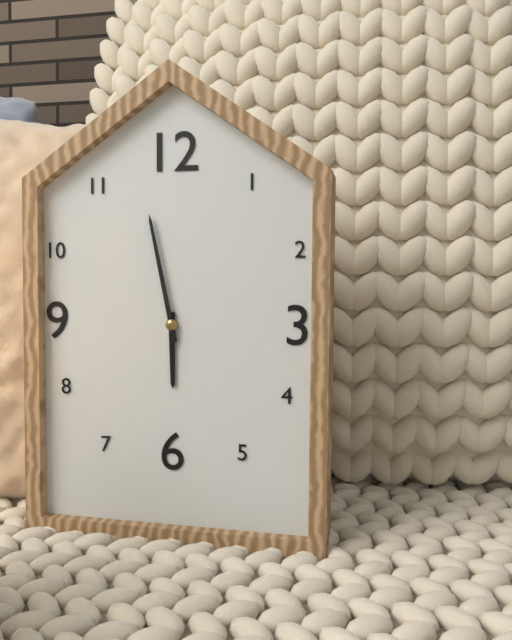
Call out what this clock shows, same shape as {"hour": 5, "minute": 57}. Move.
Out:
{"hour": 5, "minute": 58}
